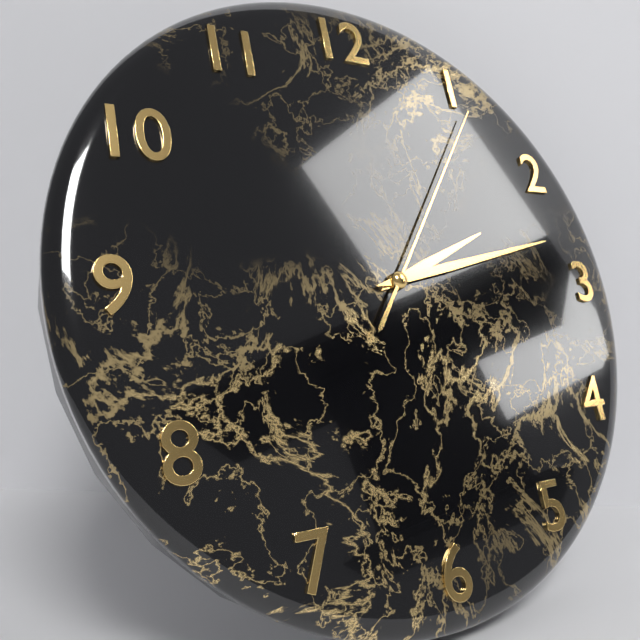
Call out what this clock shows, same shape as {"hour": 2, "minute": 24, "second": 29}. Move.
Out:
{"hour": 2, "minute": 13, "second": 6}
